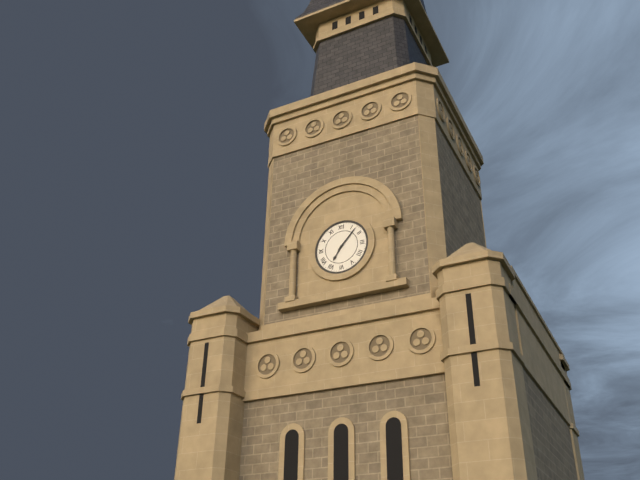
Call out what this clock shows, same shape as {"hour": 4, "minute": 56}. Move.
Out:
{"hour": 7, "minute": 7}
